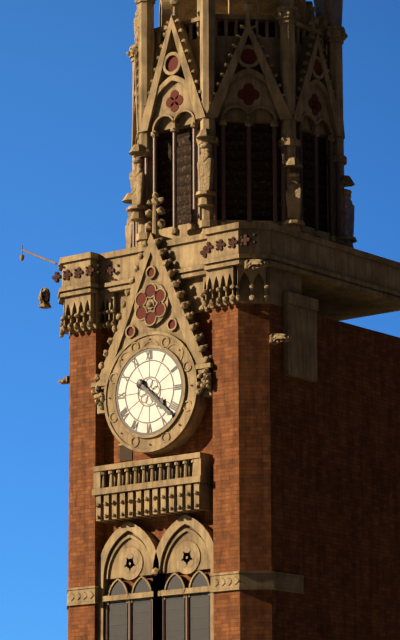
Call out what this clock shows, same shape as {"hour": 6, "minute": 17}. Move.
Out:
{"hour": 4, "minute": 22}
